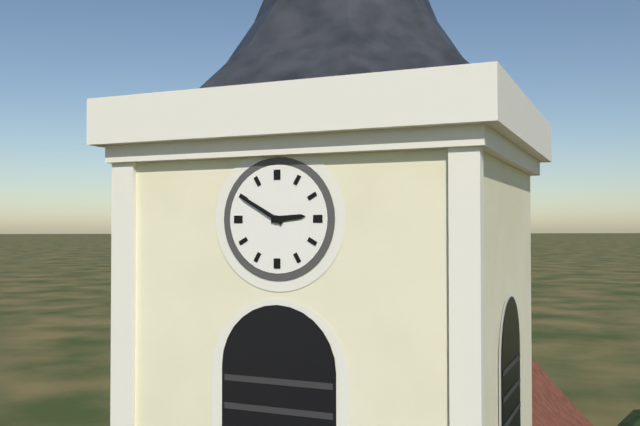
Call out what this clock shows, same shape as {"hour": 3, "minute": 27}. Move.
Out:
{"hour": 2, "minute": 50}
